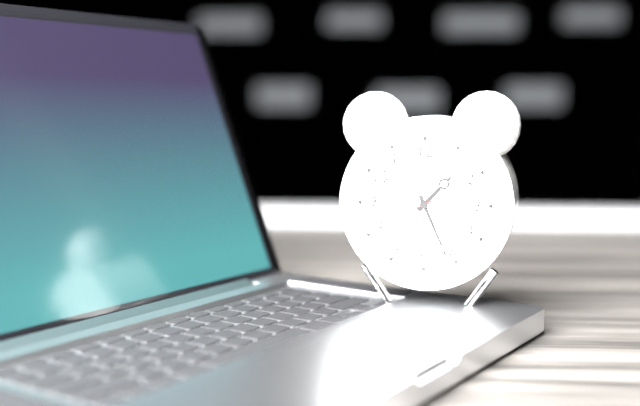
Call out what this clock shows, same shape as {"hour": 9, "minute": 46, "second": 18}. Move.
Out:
{"hour": 1, "minute": 26, "second": 11}
